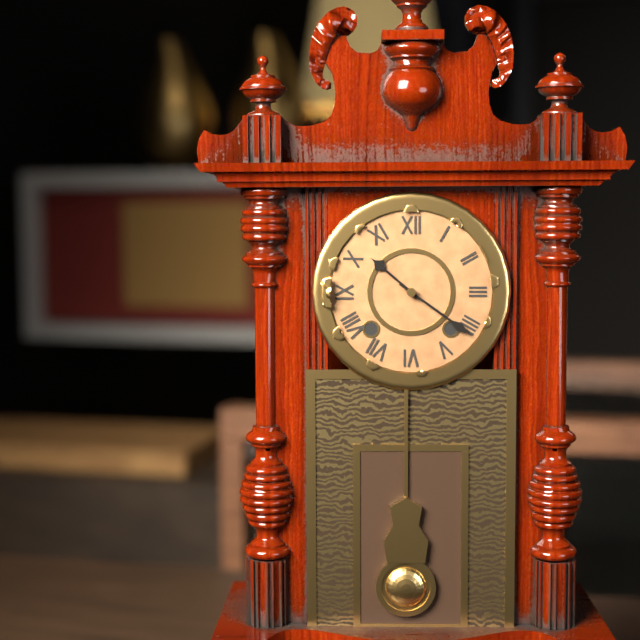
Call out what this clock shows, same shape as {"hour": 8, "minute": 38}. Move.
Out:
{"hour": 10, "minute": 21}
